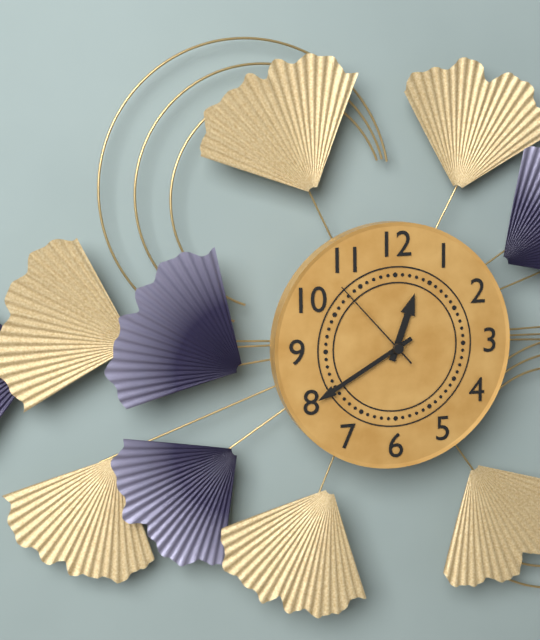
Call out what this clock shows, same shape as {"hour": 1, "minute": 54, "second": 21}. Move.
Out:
{"hour": 12, "minute": 40, "second": 53}
